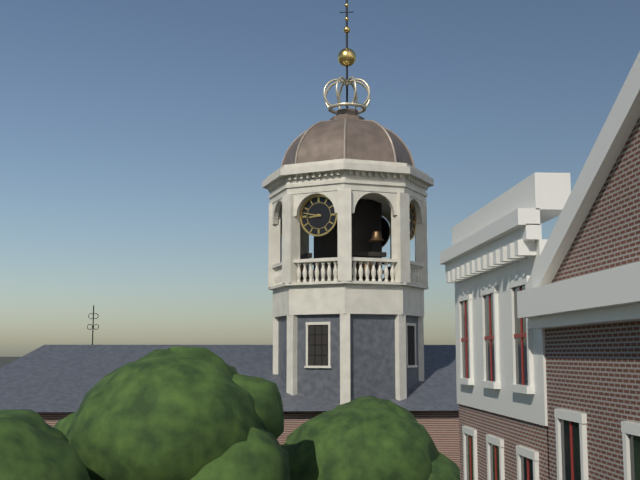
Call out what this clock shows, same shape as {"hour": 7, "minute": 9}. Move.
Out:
{"hour": 8, "minute": 47}
